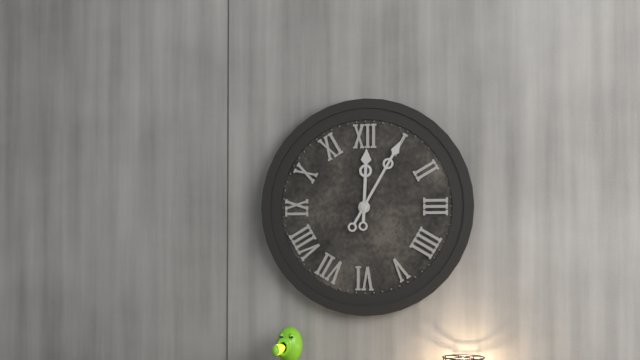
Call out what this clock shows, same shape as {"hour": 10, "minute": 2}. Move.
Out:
{"hour": 12, "minute": 5}
